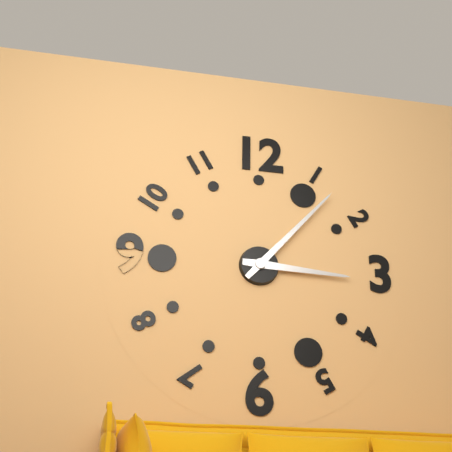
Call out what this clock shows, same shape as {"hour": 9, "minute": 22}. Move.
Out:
{"hour": 3, "minute": 7}
